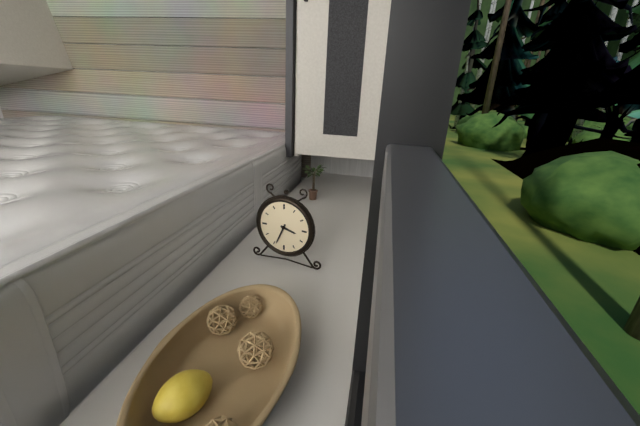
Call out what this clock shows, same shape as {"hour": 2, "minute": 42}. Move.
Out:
{"hour": 3, "minute": 34}
